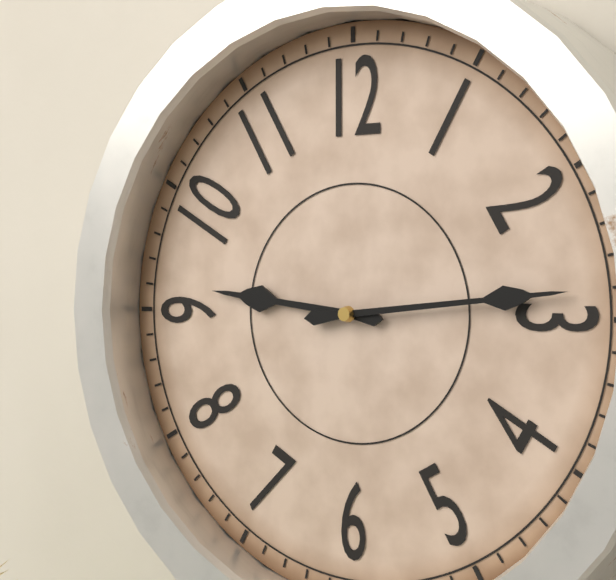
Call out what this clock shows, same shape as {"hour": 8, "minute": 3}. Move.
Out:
{"hour": 9, "minute": 14}
